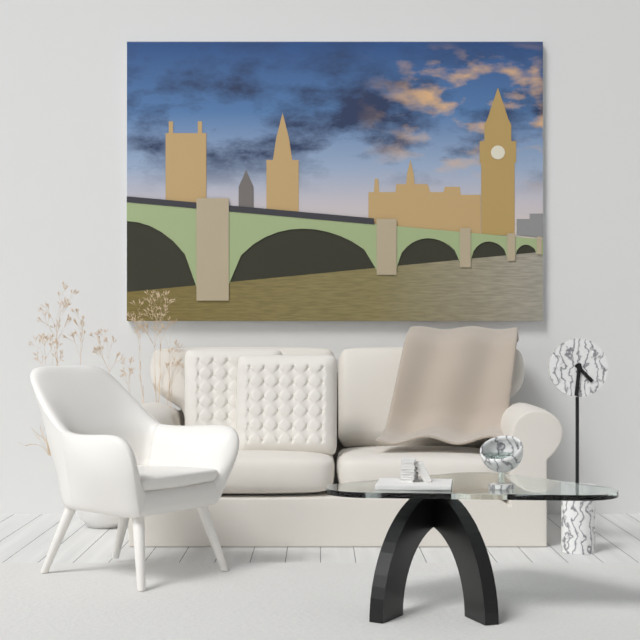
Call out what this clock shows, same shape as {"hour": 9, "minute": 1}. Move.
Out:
{"hour": 4, "minute": 31}
